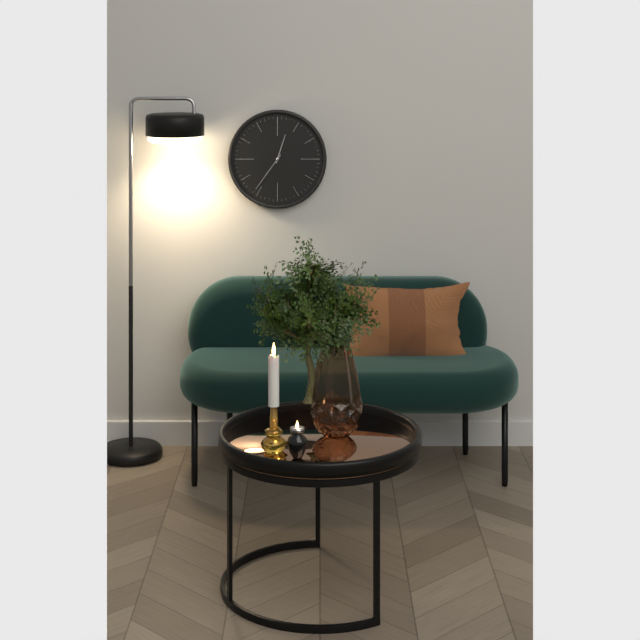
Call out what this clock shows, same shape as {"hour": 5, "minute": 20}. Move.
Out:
{"hour": 12, "minute": 36}
